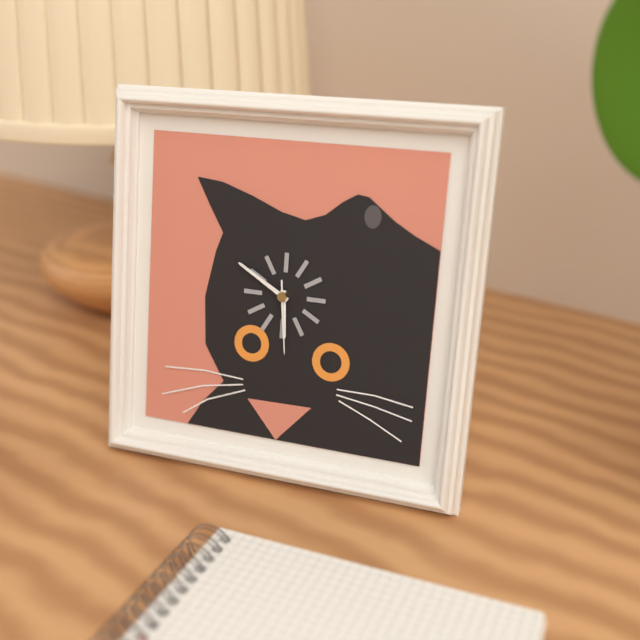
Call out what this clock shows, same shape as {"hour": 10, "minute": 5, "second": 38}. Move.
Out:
{"hour": 5, "minute": 50, "second": 29}
